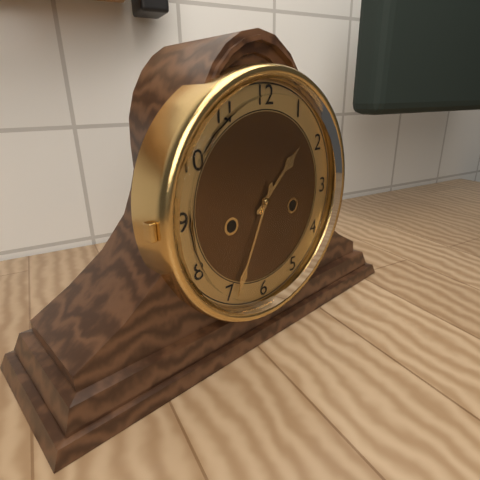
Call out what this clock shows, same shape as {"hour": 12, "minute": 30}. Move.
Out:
{"hour": 1, "minute": 34}
